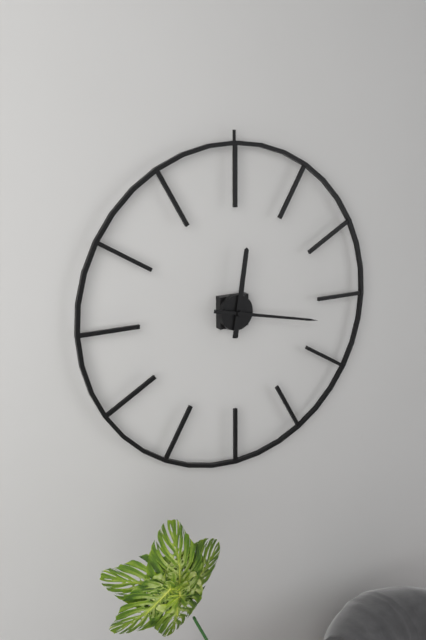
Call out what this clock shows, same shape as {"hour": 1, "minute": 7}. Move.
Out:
{"hour": 12, "minute": 17}
